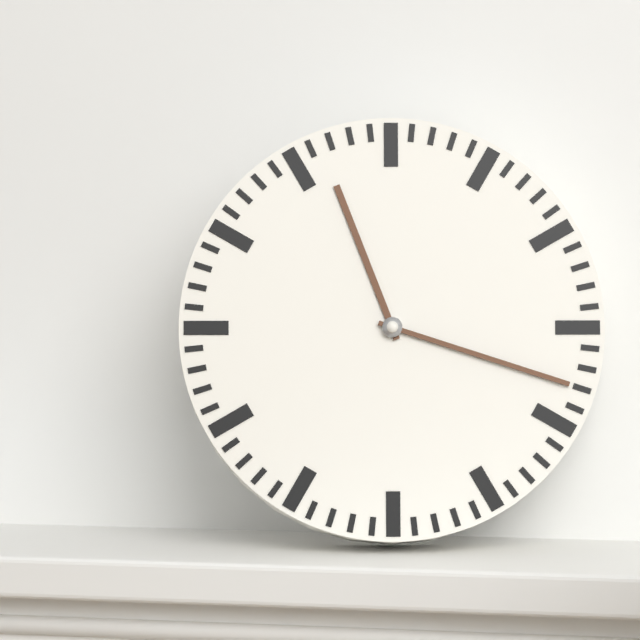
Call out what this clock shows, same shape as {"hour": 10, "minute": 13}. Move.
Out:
{"hour": 11, "minute": 18}
